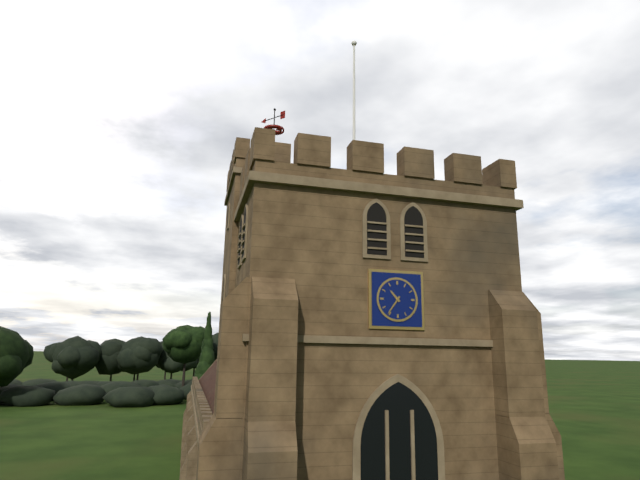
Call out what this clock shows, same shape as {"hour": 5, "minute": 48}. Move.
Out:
{"hour": 10, "minute": 36}
